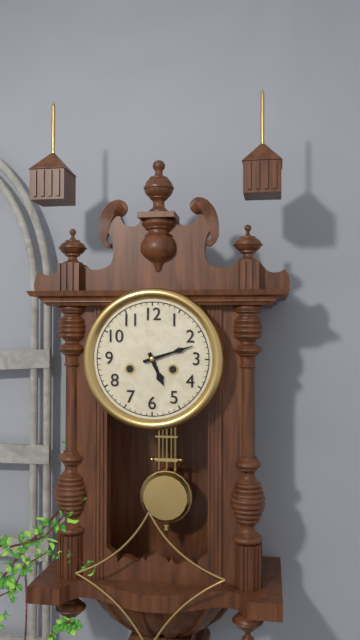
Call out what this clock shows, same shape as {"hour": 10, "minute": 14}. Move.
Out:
{"hour": 5, "minute": 12}
